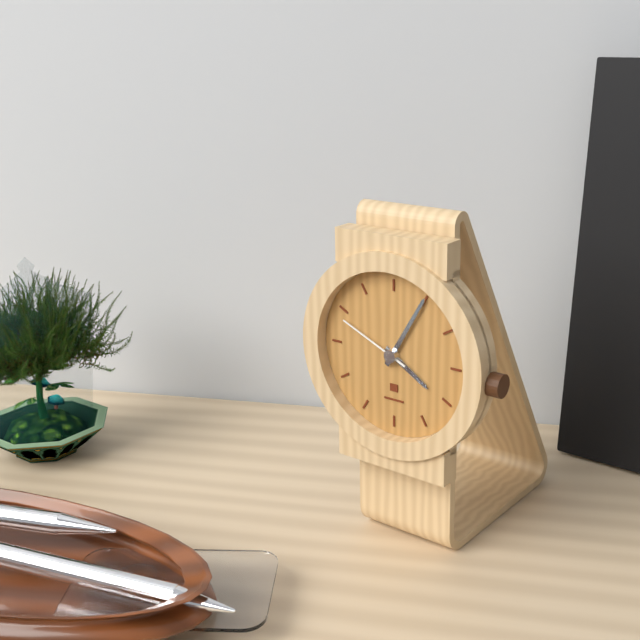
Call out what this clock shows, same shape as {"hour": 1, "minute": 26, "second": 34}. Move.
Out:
{"hour": 4, "minute": 5, "second": 49}
